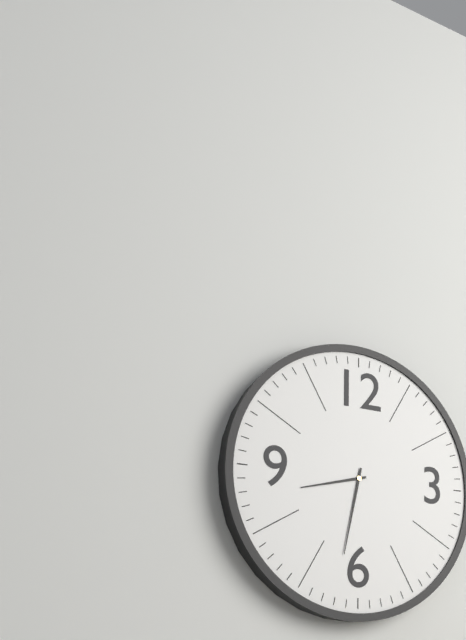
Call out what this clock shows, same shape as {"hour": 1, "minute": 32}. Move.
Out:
{"hour": 8, "minute": 32}
